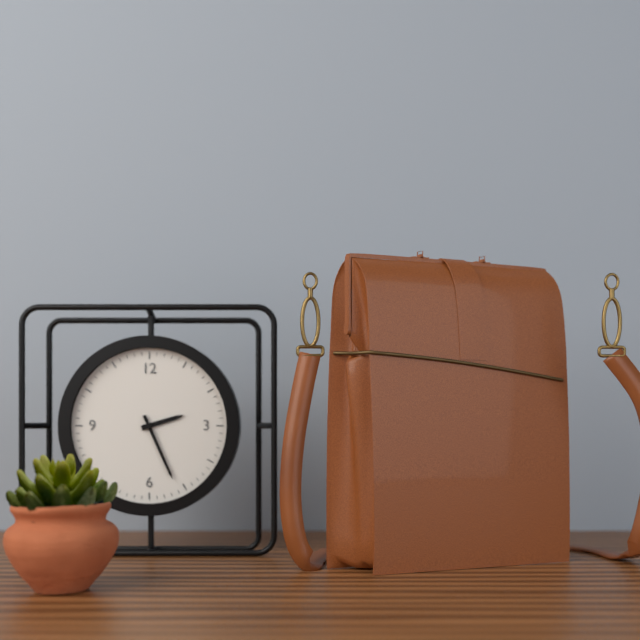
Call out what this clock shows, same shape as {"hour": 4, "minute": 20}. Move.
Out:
{"hour": 2, "minute": 26}
